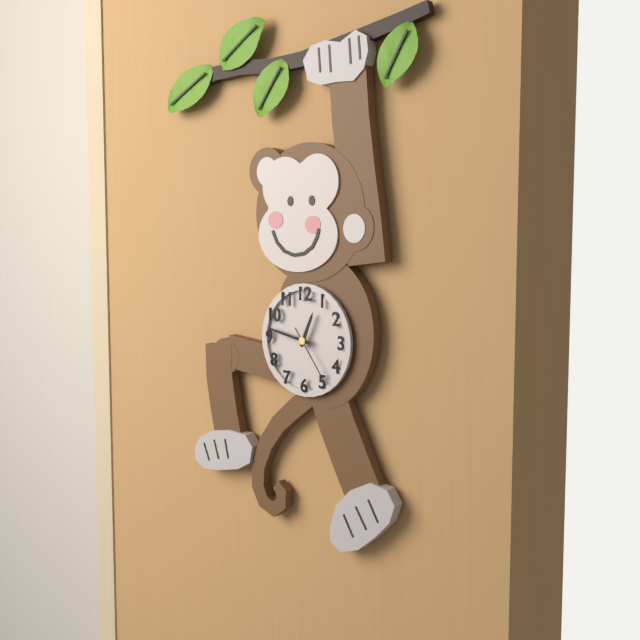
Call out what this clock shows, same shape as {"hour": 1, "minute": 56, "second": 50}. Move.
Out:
{"hour": 12, "minute": 47, "second": 24}
